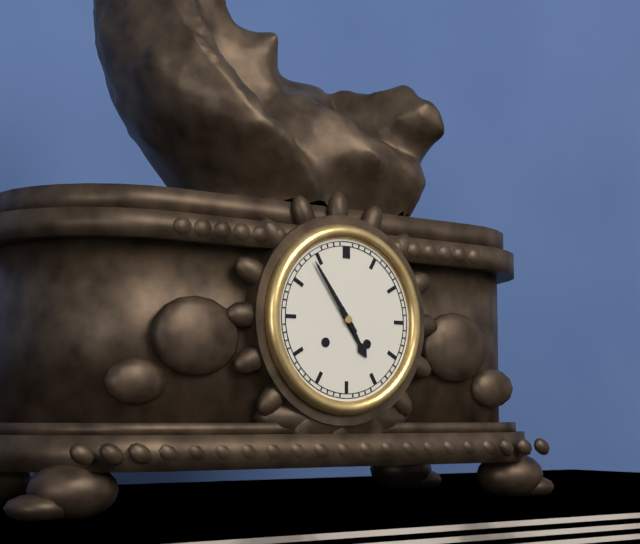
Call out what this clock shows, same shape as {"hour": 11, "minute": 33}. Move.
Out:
{"hour": 4, "minute": 54}
